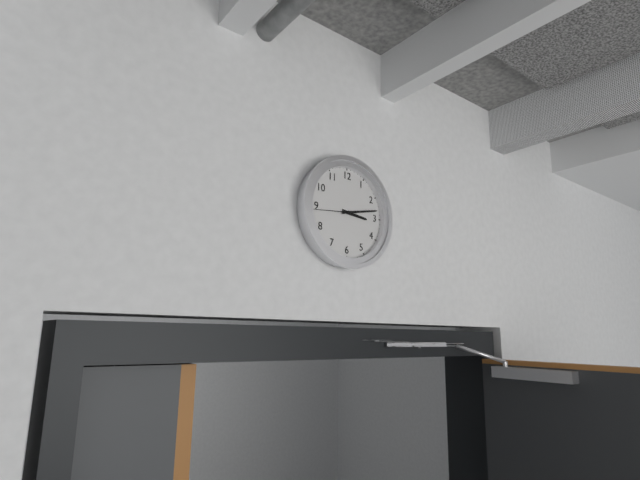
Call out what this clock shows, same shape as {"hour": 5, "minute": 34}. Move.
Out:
{"hour": 3, "minute": 13}
